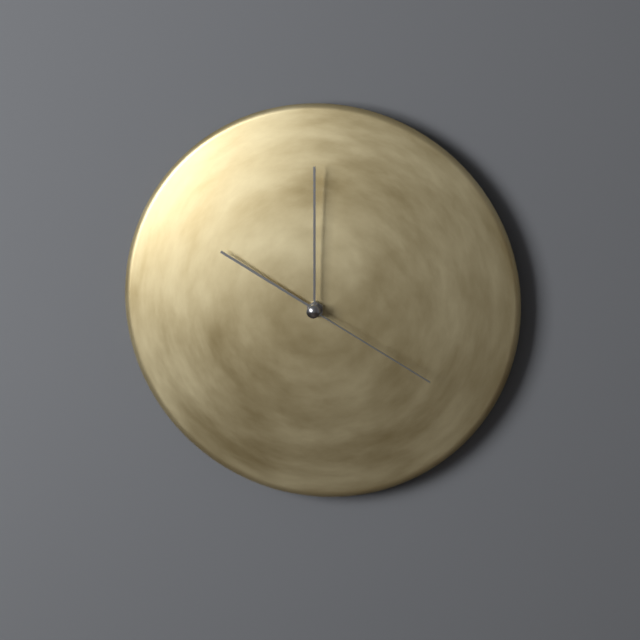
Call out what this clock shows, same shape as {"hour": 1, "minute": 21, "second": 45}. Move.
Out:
{"hour": 10, "minute": 0, "second": 20}
